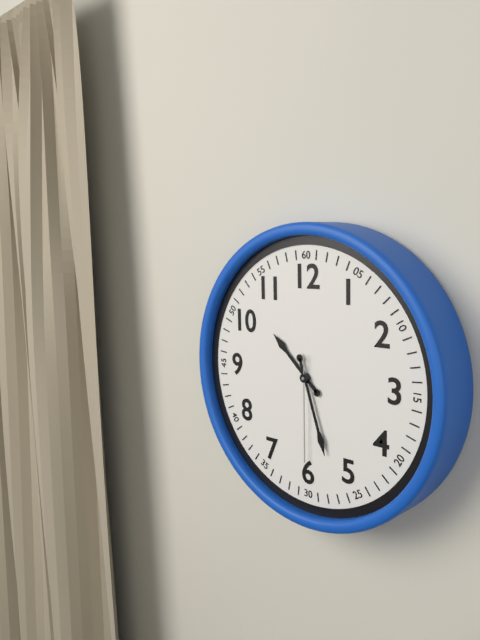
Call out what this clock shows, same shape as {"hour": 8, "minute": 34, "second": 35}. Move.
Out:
{"hour": 10, "minute": 27, "second": 30}
